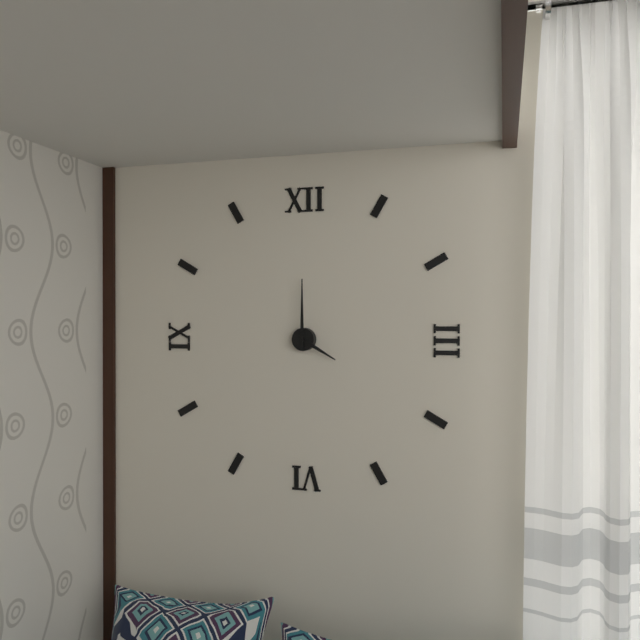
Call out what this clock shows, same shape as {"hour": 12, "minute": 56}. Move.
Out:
{"hour": 4, "minute": 0}
